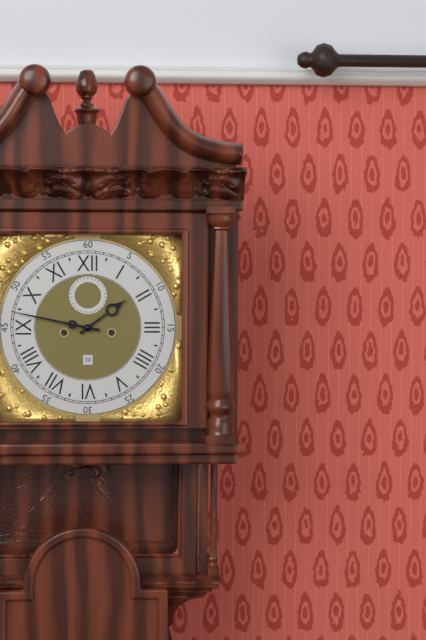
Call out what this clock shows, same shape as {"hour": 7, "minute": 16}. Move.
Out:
{"hour": 1, "minute": 47}
